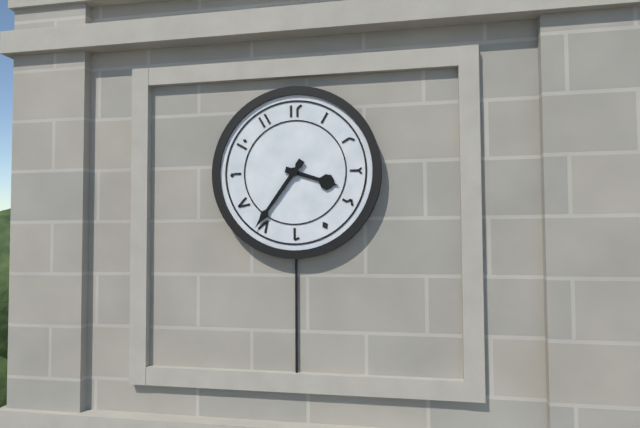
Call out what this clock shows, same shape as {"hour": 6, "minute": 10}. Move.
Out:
{"hour": 3, "minute": 36}
